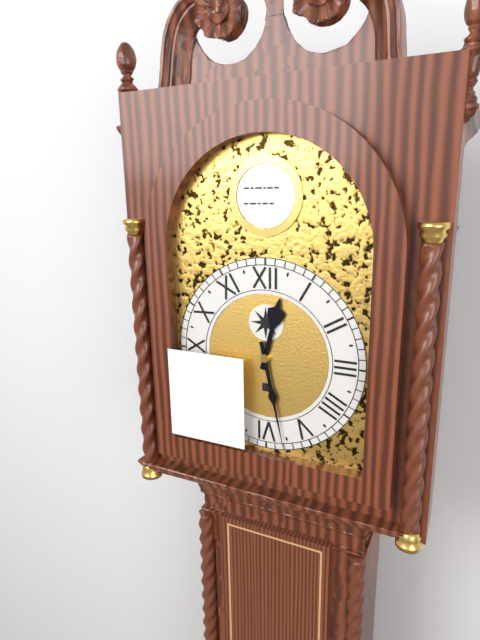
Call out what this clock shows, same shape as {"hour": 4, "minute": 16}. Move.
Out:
{"hour": 12, "minute": 28}
